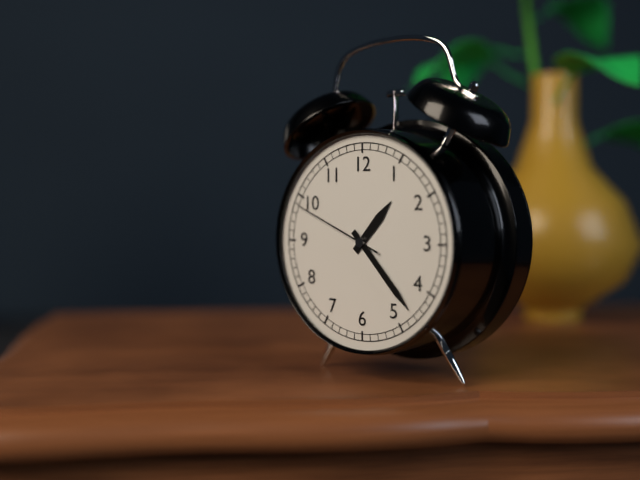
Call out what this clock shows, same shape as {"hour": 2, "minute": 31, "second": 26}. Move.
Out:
{"hour": 1, "minute": 23, "second": 49}
